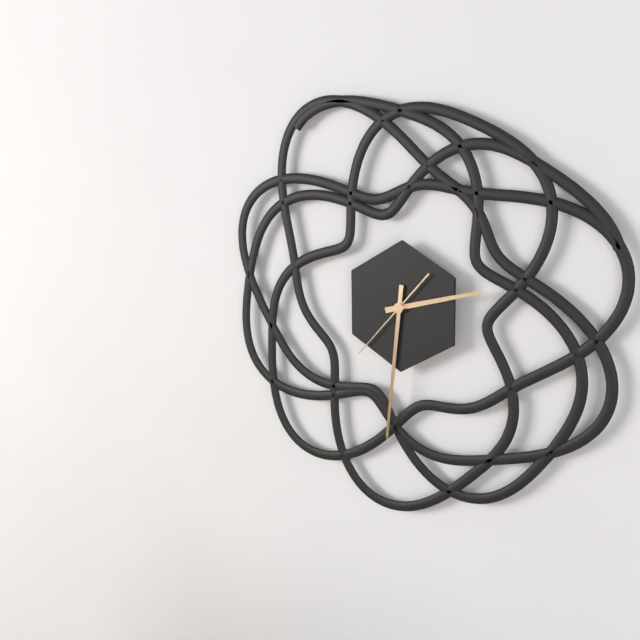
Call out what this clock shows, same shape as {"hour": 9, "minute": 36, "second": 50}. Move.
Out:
{"hour": 2, "minute": 31, "second": 37}
